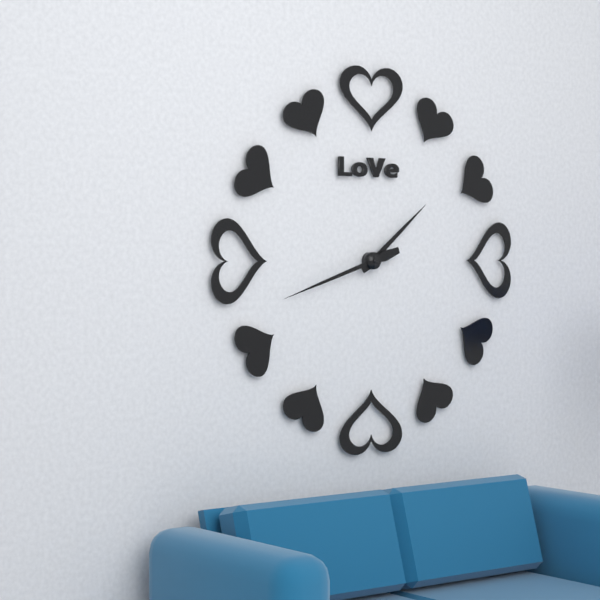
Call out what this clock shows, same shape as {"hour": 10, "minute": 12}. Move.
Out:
{"hour": 1, "minute": 42}
